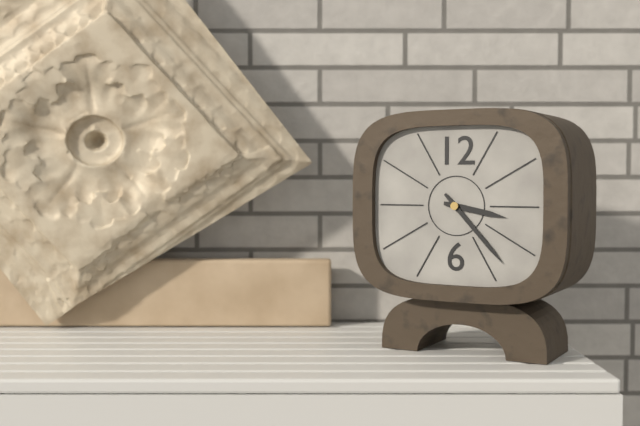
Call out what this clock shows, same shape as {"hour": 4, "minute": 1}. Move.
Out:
{"hour": 3, "minute": 23}
